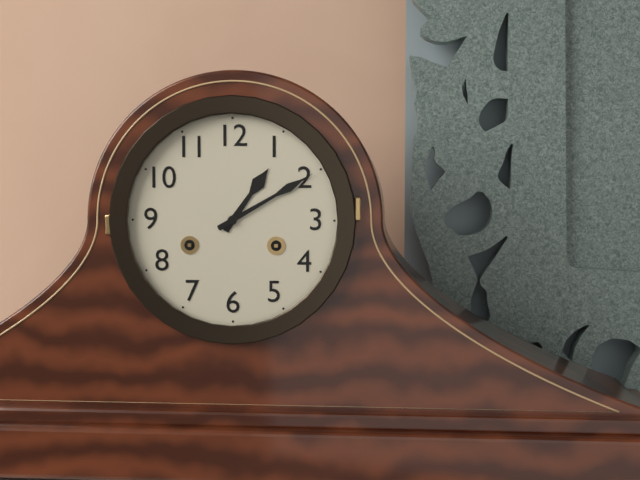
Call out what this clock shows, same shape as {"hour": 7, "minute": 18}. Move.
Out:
{"hour": 1, "minute": 10}
